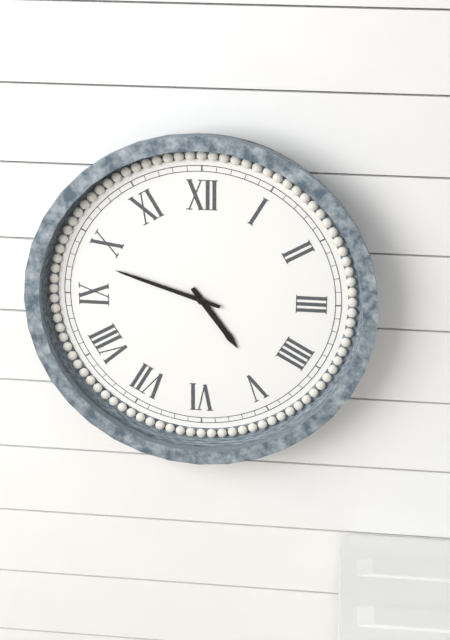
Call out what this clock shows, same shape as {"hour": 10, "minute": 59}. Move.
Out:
{"hour": 4, "minute": 48}
